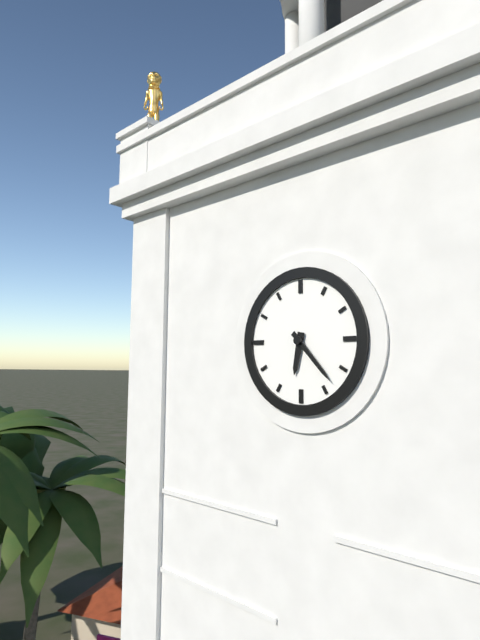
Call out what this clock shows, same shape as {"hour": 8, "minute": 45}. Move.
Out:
{"hour": 6, "minute": 23}
